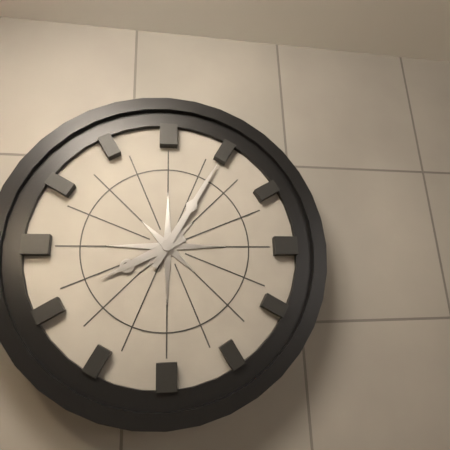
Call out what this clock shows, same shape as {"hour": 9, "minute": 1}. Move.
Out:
{"hour": 8, "minute": 5}
